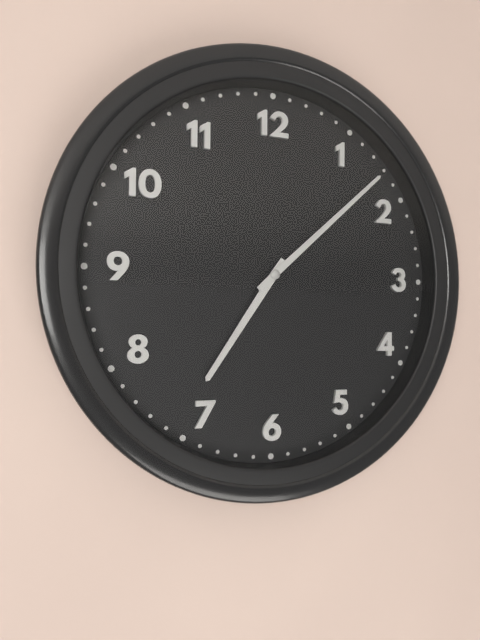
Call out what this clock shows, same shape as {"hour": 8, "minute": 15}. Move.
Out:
{"hour": 7, "minute": 8}
